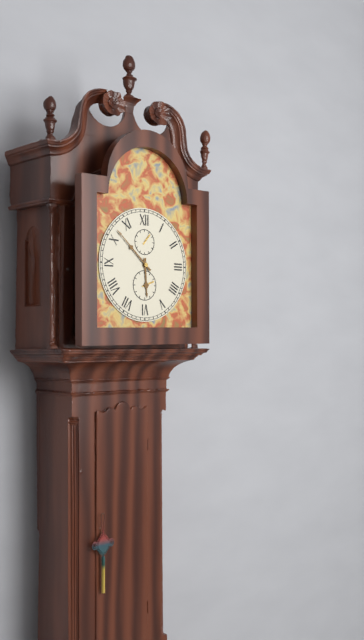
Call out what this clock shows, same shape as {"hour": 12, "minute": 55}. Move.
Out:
{"hour": 5, "minute": 52}
